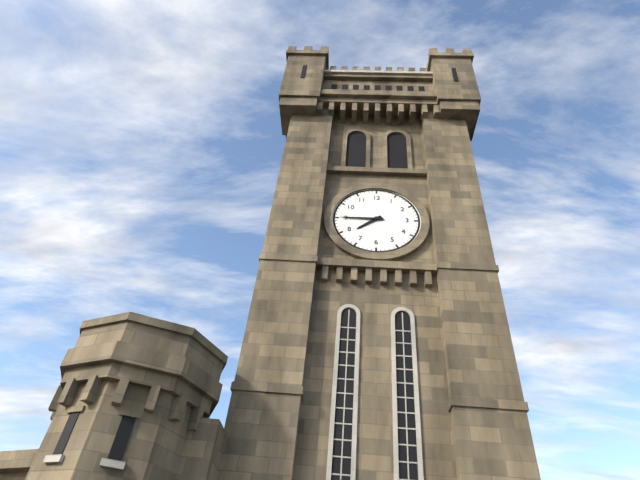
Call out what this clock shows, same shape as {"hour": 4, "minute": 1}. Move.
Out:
{"hour": 7, "minute": 45}
